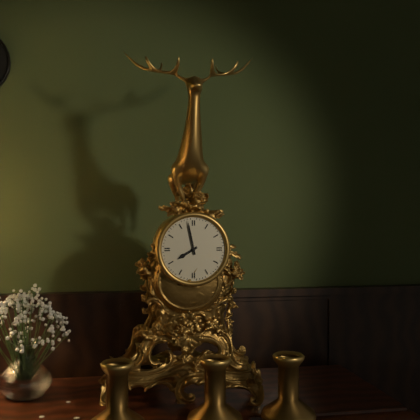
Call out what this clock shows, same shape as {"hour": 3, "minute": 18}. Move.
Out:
{"hour": 7, "minute": 58}
